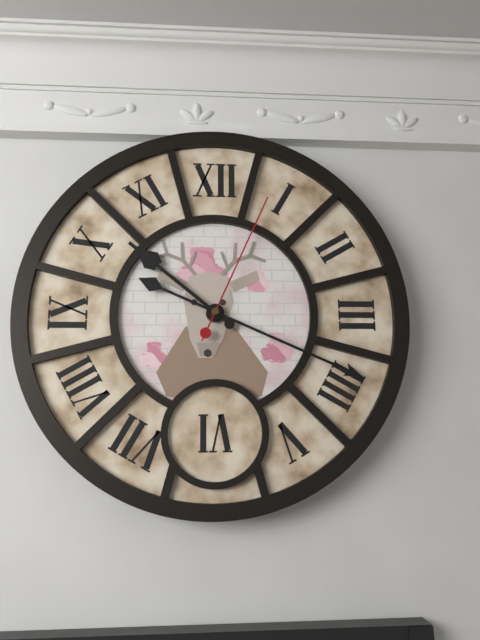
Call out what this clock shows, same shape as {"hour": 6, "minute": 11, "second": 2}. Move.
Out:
{"hour": 10, "minute": 19, "second": 4}
